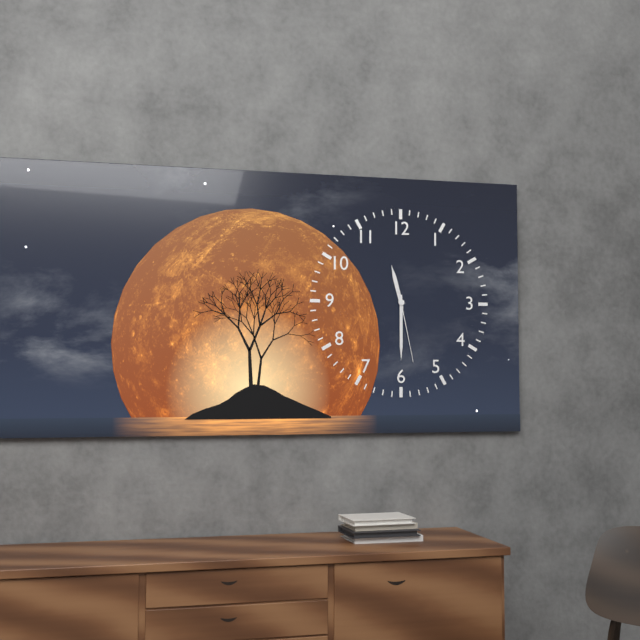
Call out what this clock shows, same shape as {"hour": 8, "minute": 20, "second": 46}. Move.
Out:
{"hour": 11, "minute": 30, "second": 28}
